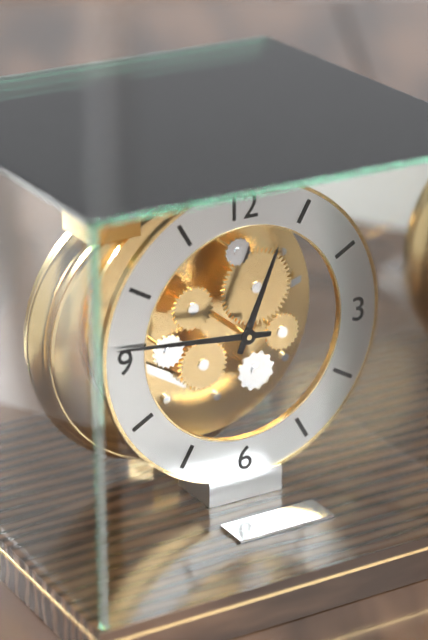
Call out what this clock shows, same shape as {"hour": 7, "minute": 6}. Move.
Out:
{"hour": 12, "minute": 46}
